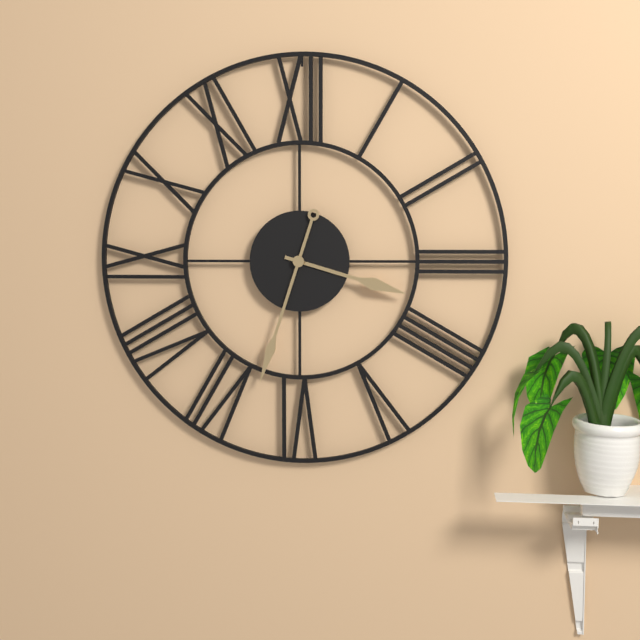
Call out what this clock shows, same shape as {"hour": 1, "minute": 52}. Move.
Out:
{"hour": 3, "minute": 33}
